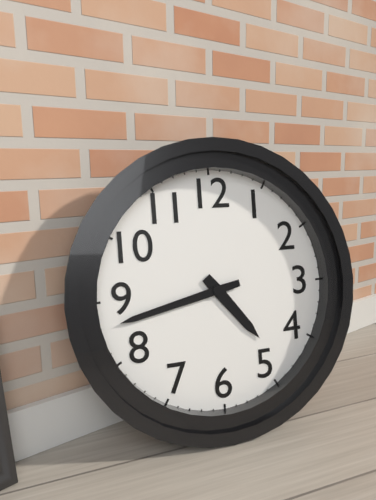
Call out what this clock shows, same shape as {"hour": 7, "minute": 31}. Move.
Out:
{"hour": 4, "minute": 43}
